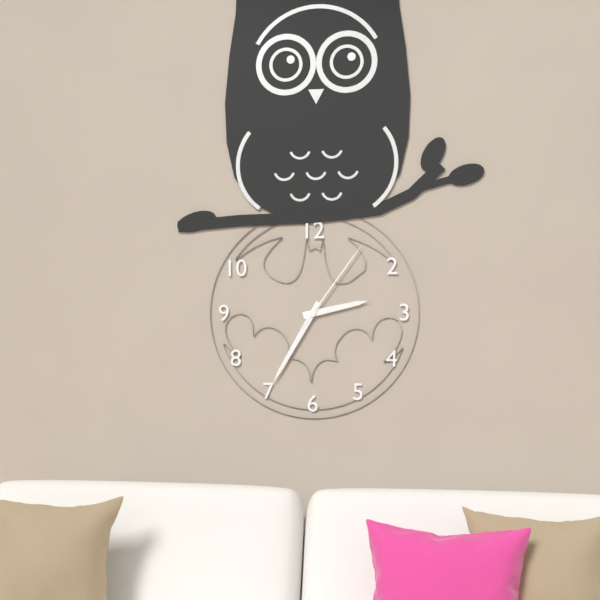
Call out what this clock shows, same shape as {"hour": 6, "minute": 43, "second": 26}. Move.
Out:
{"hour": 2, "minute": 35, "second": 6}
